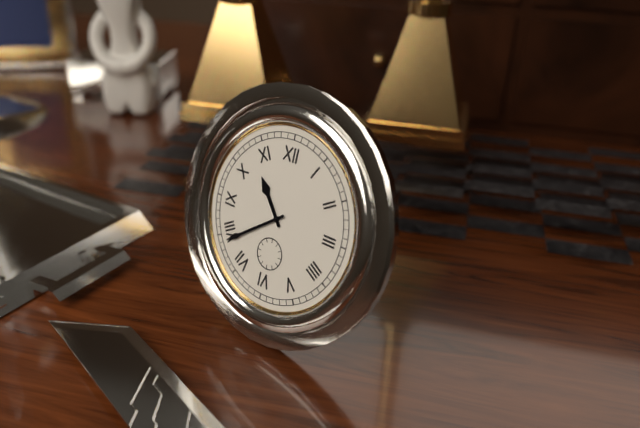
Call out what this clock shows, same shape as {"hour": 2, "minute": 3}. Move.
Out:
{"hour": 10, "minute": 39}
